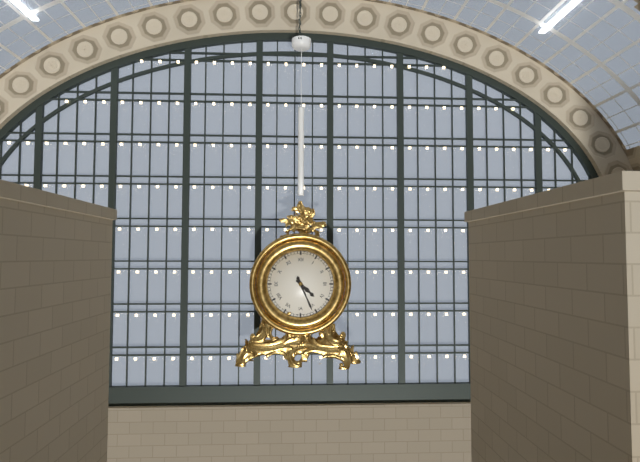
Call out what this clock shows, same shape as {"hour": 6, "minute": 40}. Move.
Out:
{"hour": 4, "minute": 26}
